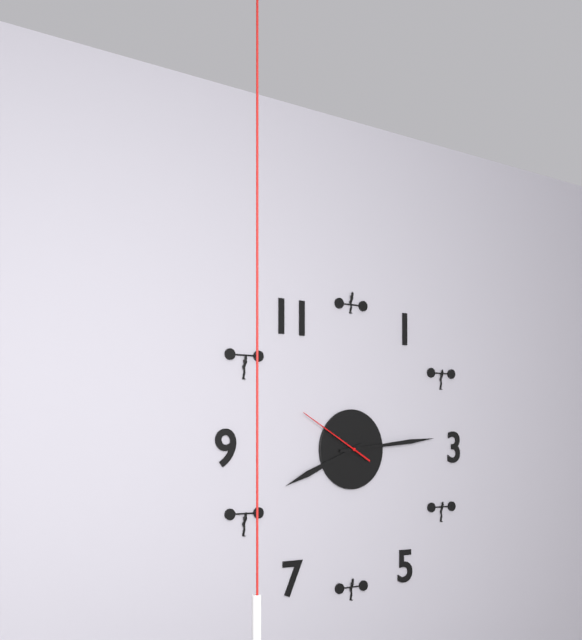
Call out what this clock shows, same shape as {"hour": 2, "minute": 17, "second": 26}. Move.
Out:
{"hour": 8, "minute": 14, "second": 50}
